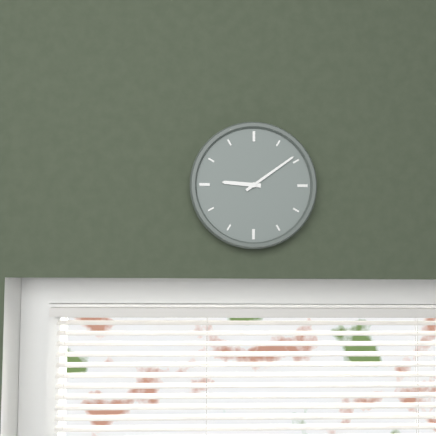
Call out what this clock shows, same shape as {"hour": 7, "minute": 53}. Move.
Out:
{"hour": 9, "minute": 9}
